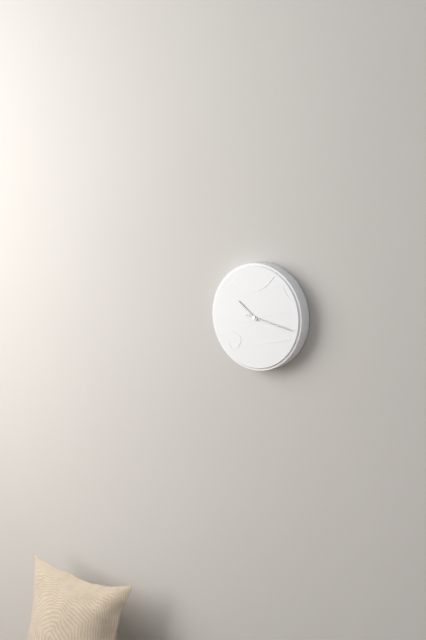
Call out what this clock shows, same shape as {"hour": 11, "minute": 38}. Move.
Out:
{"hour": 10, "minute": 17}
